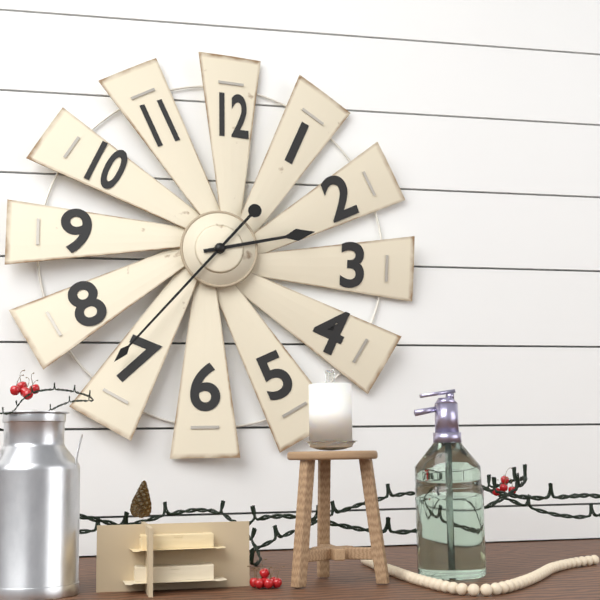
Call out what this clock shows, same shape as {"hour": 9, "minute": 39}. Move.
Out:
{"hour": 2, "minute": 37}
